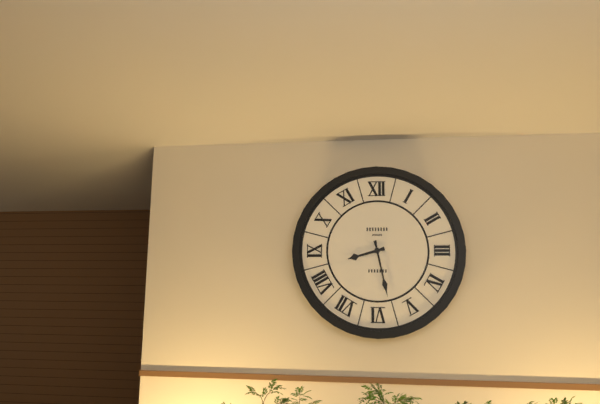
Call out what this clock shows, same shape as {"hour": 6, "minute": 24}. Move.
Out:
{"hour": 8, "minute": 28}
